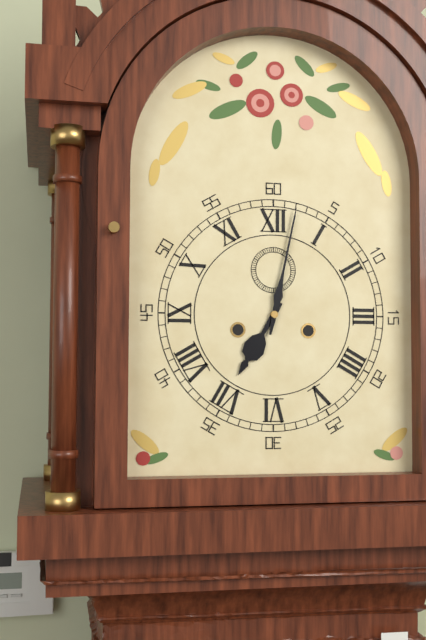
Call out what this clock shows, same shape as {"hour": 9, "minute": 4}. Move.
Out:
{"hour": 7, "minute": 2}
